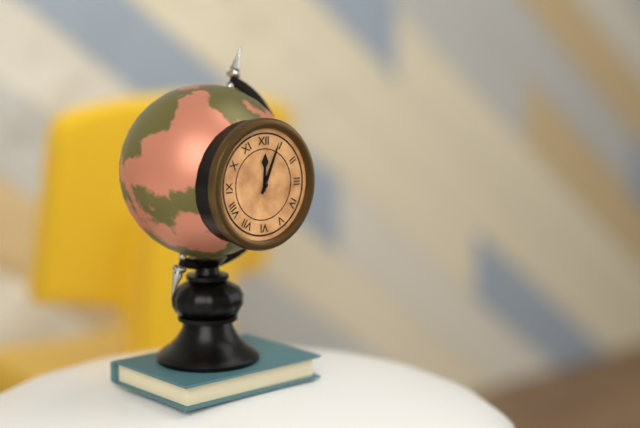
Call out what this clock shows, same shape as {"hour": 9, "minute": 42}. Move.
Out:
{"hour": 12, "minute": 4}
